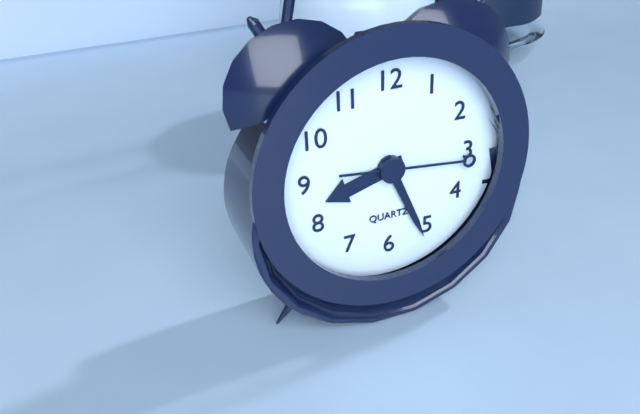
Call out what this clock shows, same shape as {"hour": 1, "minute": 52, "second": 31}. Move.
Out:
{"hour": 8, "minute": 26, "second": 16}
